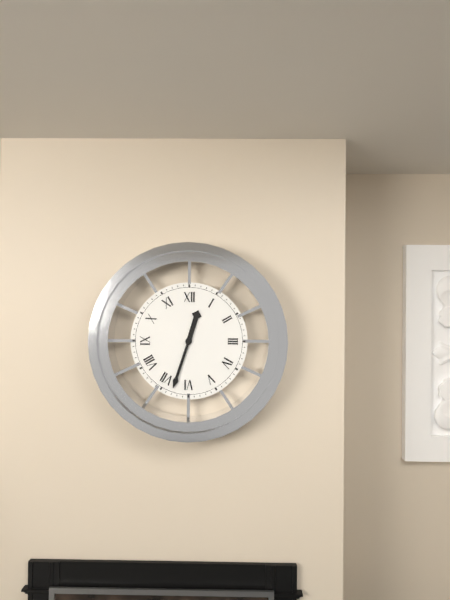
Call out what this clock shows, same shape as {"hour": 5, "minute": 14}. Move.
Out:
{"hour": 12, "minute": 33}
